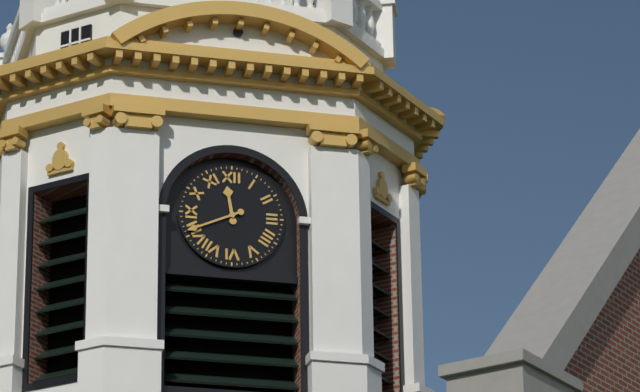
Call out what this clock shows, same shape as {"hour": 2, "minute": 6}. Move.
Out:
{"hour": 11, "minute": 41}
